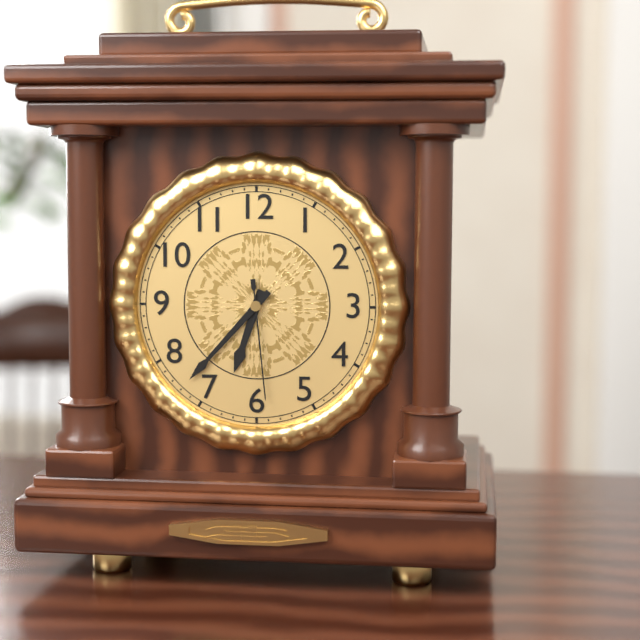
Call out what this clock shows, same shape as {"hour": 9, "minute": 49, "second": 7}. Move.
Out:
{"hour": 6, "minute": 37, "second": 29}
